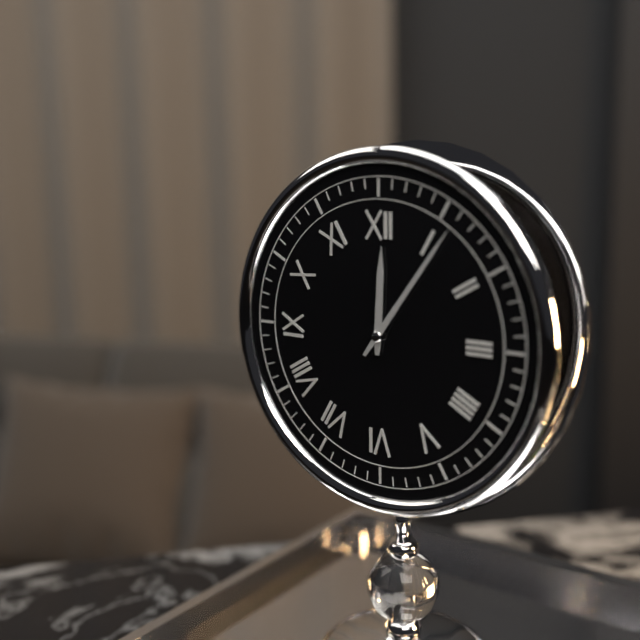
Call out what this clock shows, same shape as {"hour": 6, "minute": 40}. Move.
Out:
{"hour": 12, "minute": 6}
